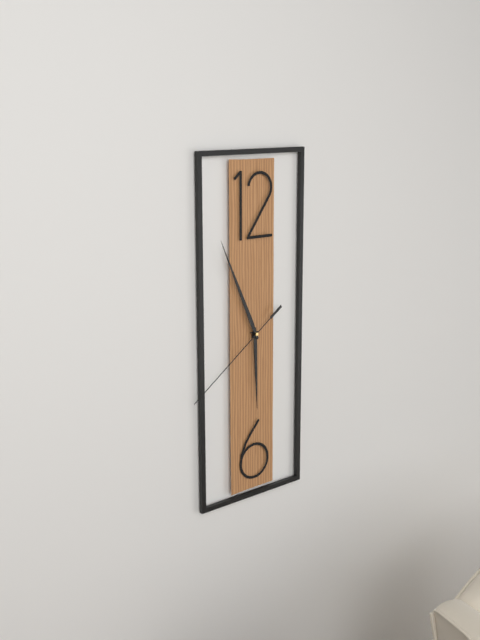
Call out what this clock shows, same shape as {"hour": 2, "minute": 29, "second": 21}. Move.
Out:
{"hour": 5, "minute": 56, "second": 39}
